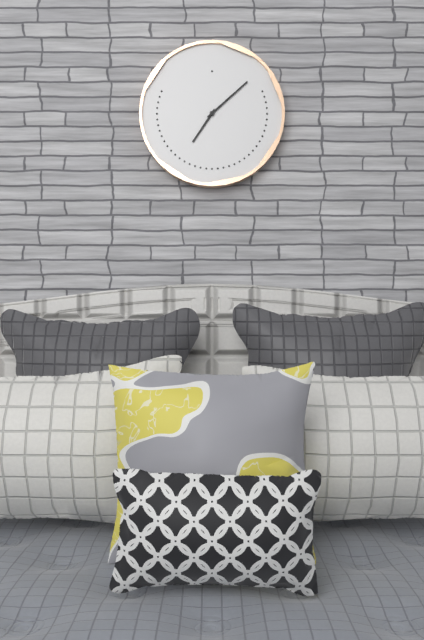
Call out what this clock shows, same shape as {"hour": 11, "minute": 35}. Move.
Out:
{"hour": 7, "minute": 8}
